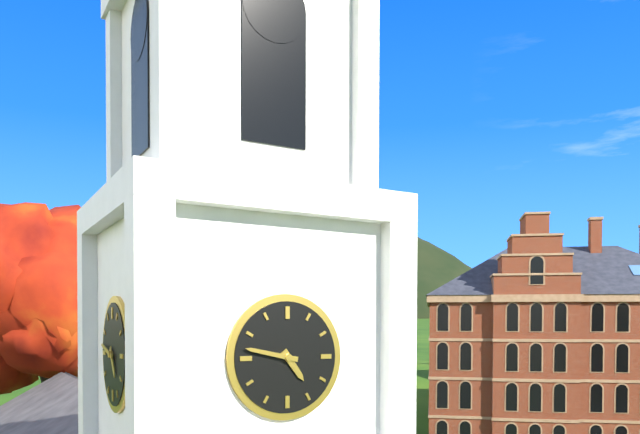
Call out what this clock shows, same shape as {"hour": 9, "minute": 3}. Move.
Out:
{"hour": 4, "minute": 47}
